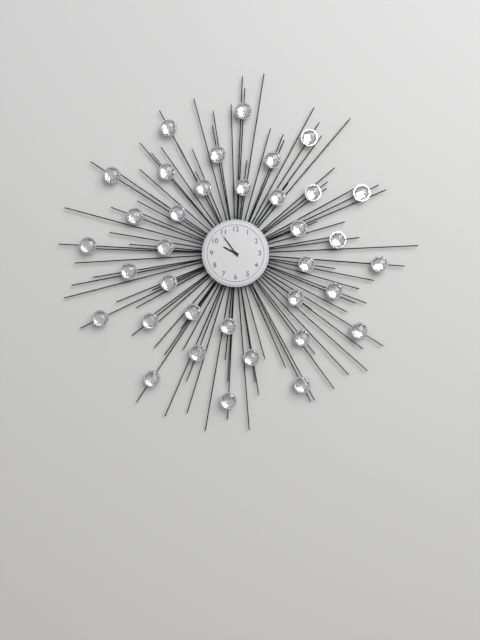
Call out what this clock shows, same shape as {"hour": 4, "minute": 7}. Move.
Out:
{"hour": 9, "minute": 54}
